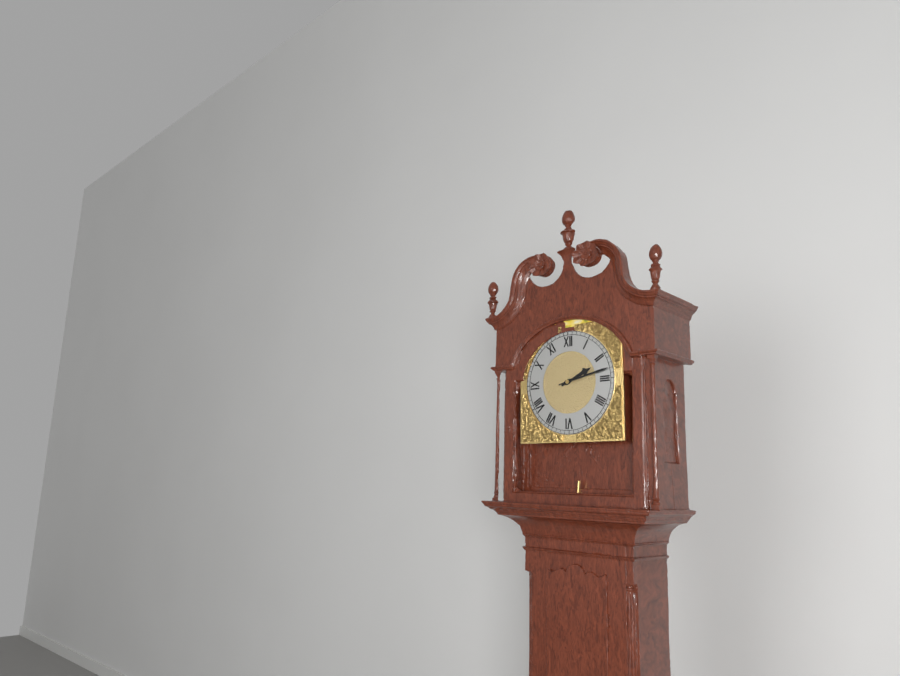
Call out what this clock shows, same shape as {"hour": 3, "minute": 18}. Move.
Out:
{"hour": 2, "minute": 13}
